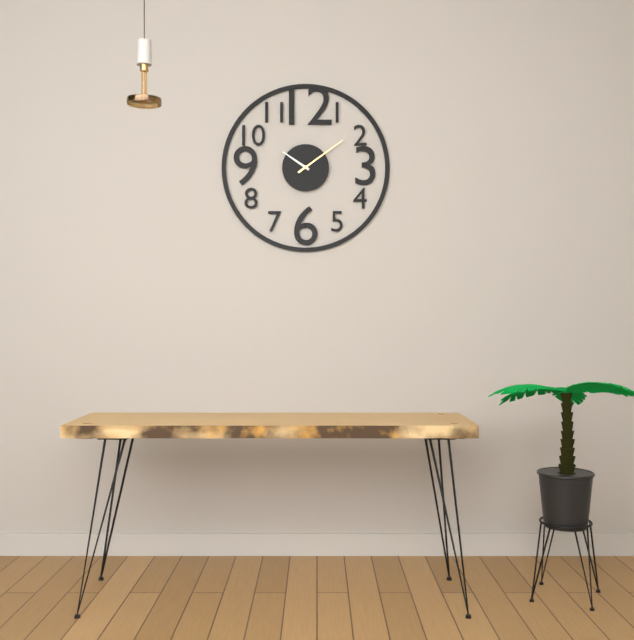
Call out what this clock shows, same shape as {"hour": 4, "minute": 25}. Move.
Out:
{"hour": 10, "minute": 9}
